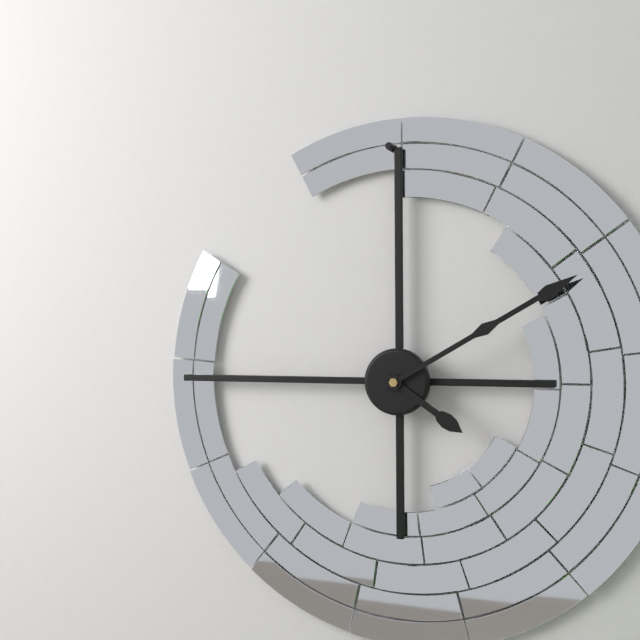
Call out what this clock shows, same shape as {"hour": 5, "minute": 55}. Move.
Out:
{"hour": 4, "minute": 10}
